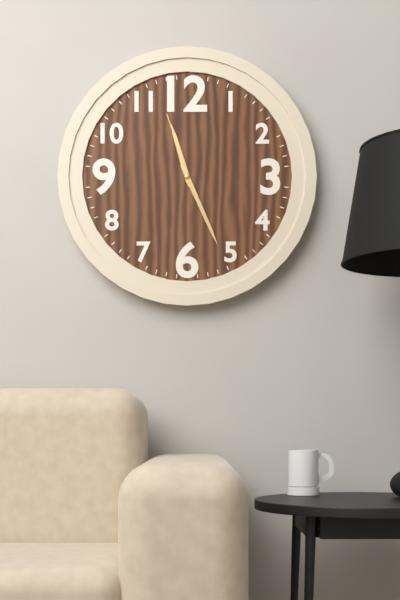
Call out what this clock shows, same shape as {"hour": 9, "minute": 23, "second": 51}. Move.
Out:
{"hour": 11, "minute": 26, "second": 57}
